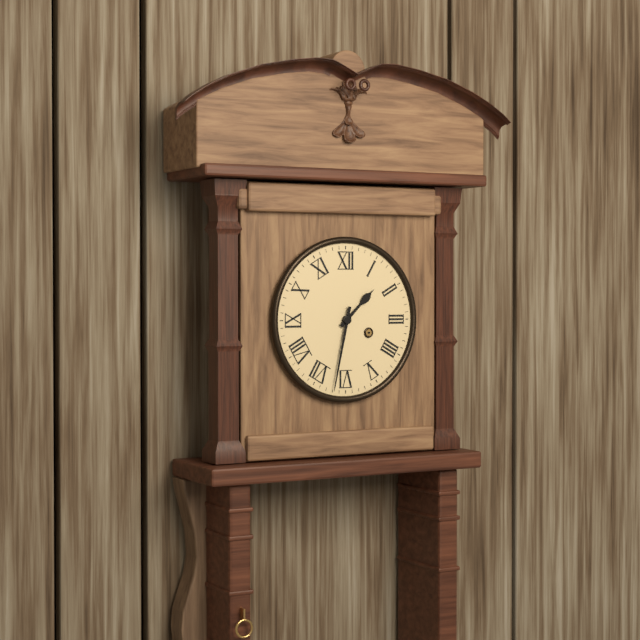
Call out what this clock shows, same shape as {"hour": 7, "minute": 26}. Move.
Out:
{"hour": 1, "minute": 32}
